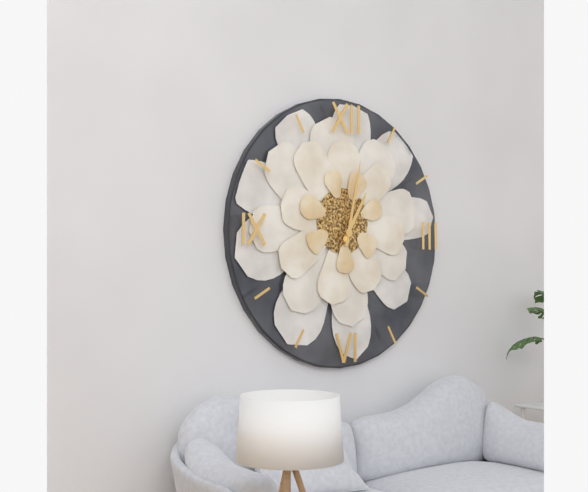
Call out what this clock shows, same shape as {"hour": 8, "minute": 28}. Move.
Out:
{"hour": 1, "minute": 2}
